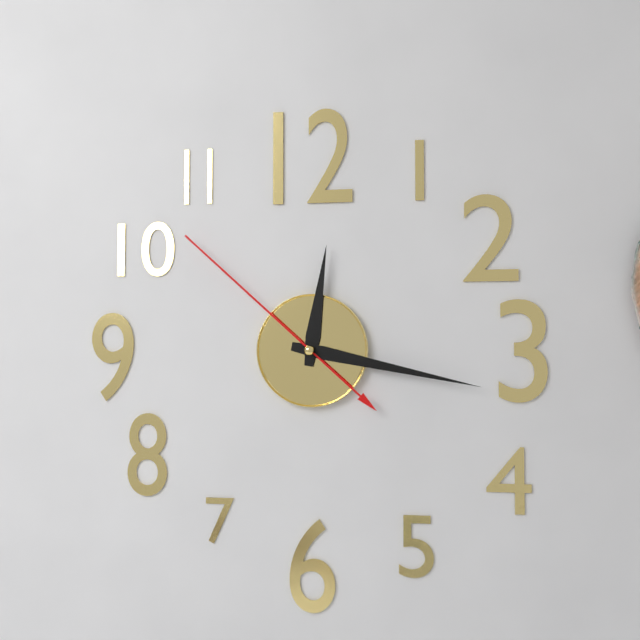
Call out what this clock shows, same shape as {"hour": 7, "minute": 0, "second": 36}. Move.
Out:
{"hour": 12, "minute": 17, "second": 52}
